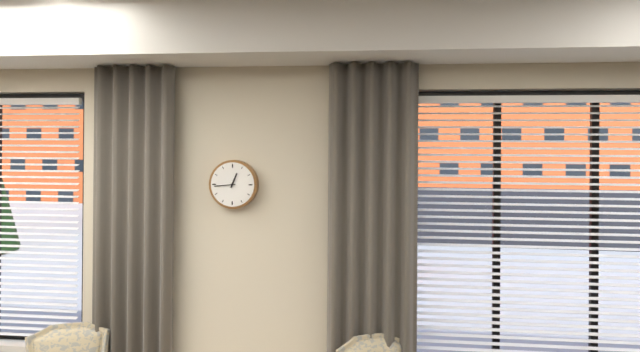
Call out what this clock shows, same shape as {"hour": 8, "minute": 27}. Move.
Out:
{"hour": 12, "minute": 44}
